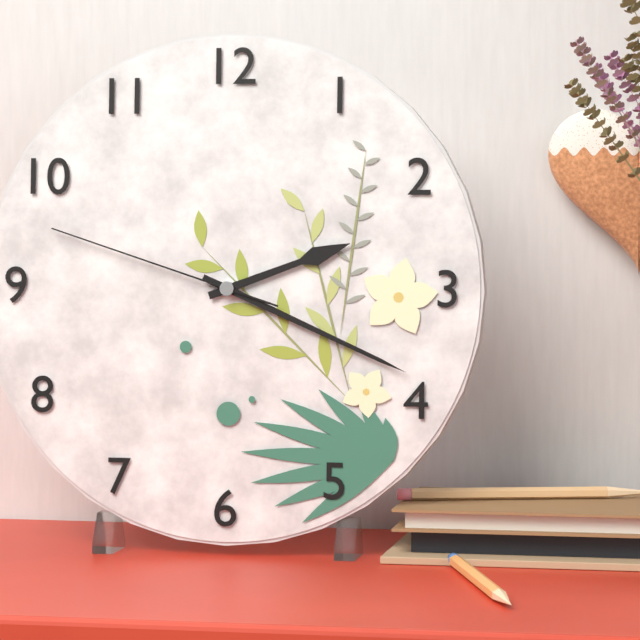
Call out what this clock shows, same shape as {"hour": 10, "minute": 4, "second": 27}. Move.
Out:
{"hour": 2, "minute": 19, "second": 48}
